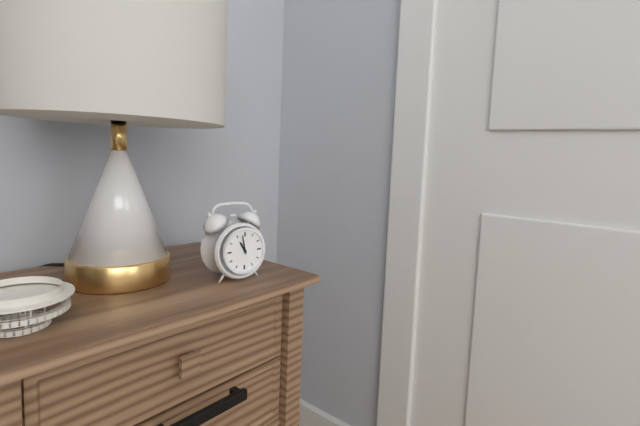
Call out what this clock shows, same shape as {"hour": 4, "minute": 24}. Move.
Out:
{"hour": 10, "minute": 58}
